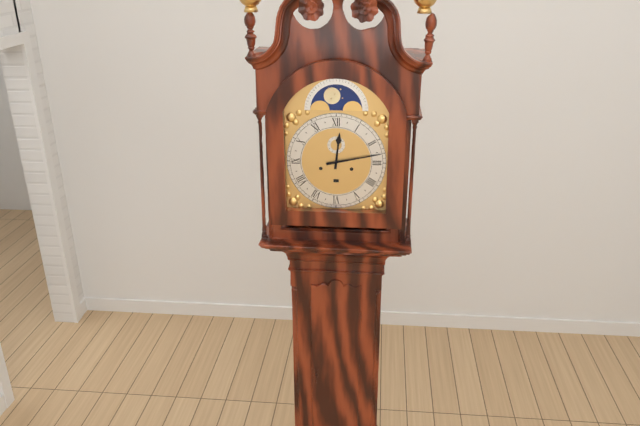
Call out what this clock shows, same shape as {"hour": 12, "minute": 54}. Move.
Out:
{"hour": 12, "minute": 13}
